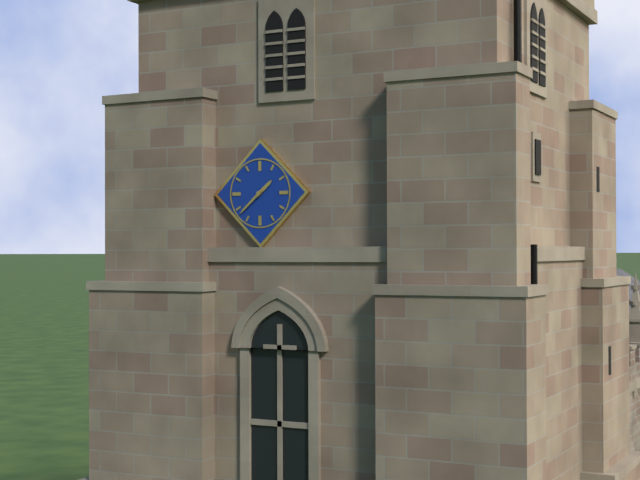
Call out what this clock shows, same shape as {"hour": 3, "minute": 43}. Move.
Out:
{"hour": 1, "minute": 38}
